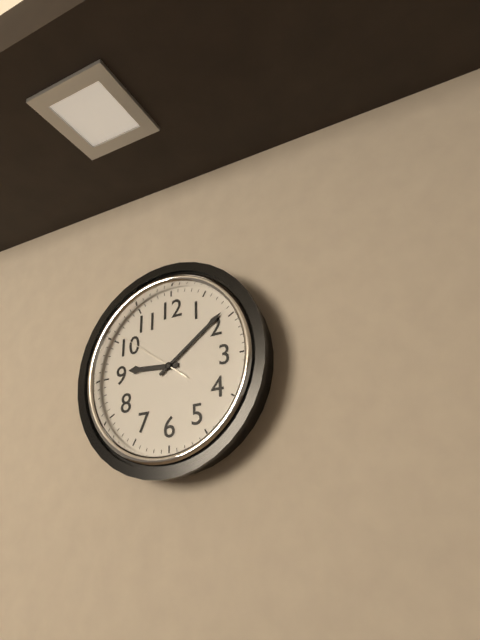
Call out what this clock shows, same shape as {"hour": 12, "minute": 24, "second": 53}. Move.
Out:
{"hour": 9, "minute": 9, "second": 51}
